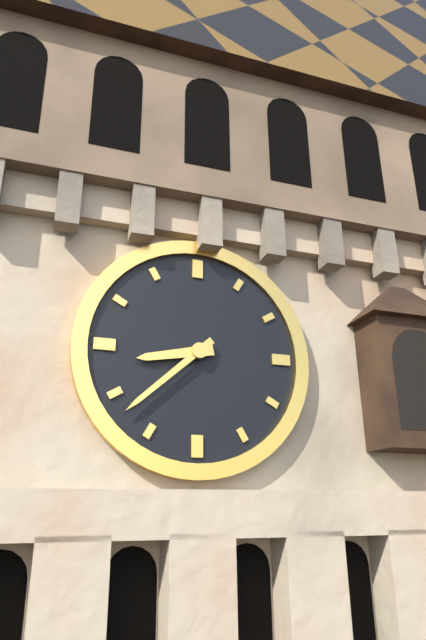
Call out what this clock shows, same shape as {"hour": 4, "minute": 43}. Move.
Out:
{"hour": 8, "minute": 38}
